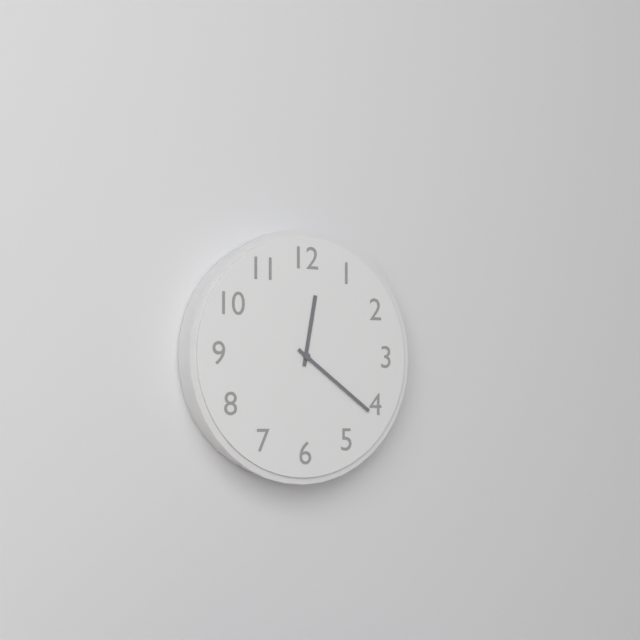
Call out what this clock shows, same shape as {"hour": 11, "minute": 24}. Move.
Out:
{"hour": 12, "minute": 21}
